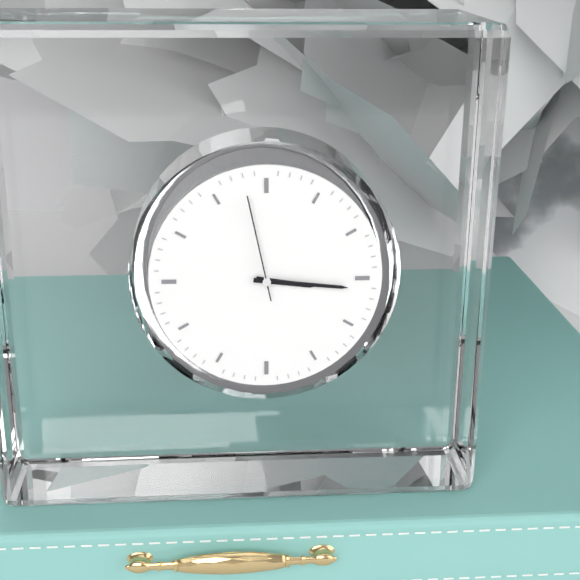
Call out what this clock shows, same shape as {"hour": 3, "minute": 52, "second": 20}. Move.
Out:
{"hour": 3, "minute": 16, "second": 58}
